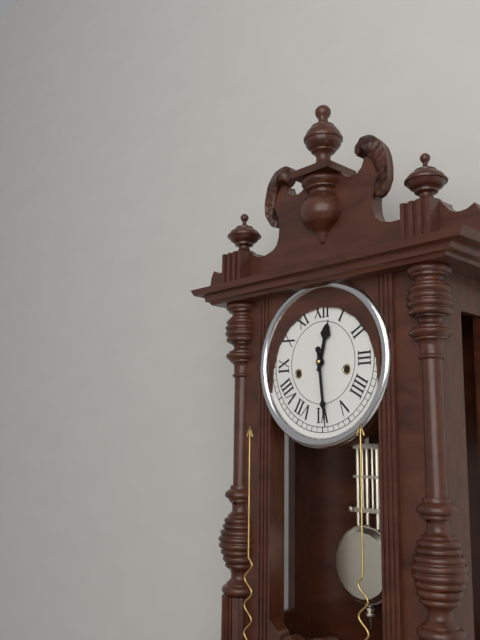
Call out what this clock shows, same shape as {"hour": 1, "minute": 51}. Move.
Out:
{"hour": 12, "minute": 29}
